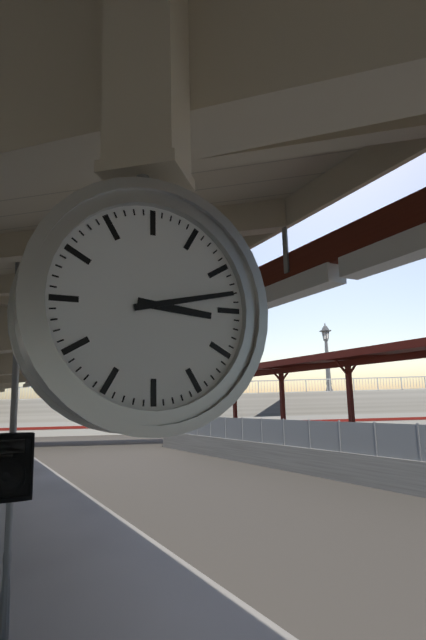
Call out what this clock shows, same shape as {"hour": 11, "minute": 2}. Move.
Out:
{"hour": 3, "minute": 13}
